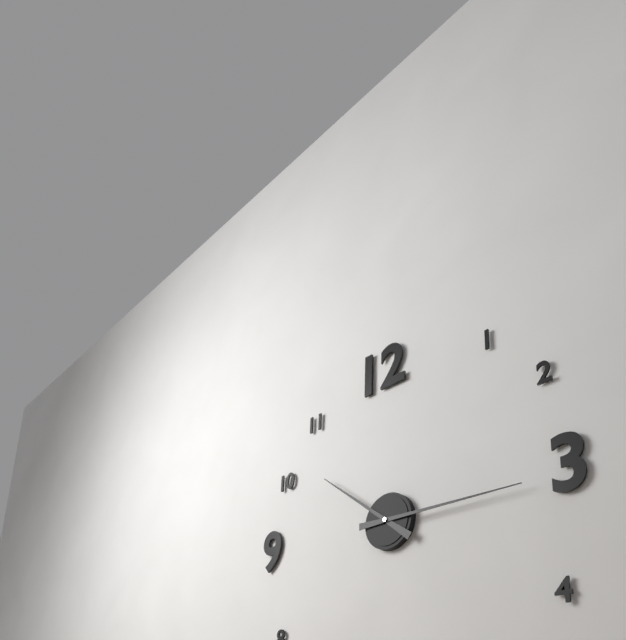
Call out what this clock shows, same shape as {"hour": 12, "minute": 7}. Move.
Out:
{"hour": 10, "minute": 15}
